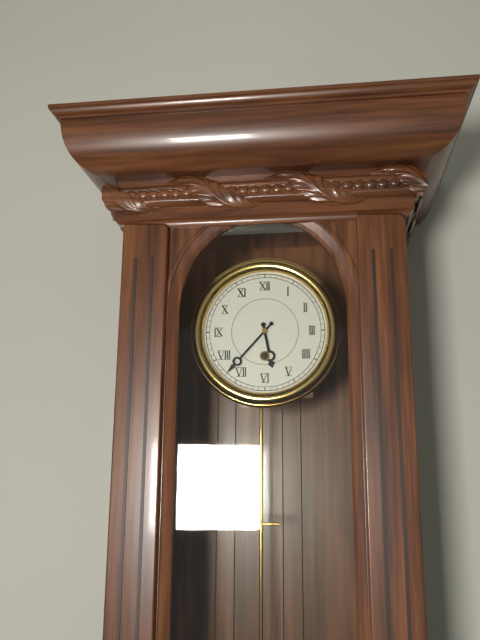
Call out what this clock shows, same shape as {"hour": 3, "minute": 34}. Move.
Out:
{"hour": 5, "minute": 37}
